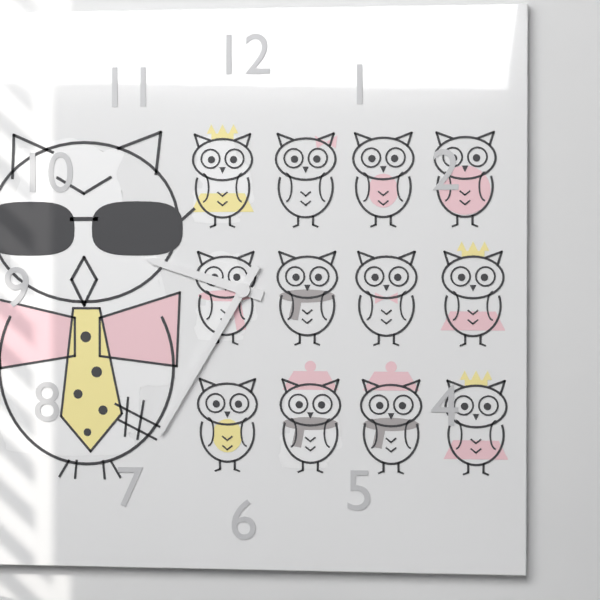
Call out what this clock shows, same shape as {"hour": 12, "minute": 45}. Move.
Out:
{"hour": 9, "minute": 35}
